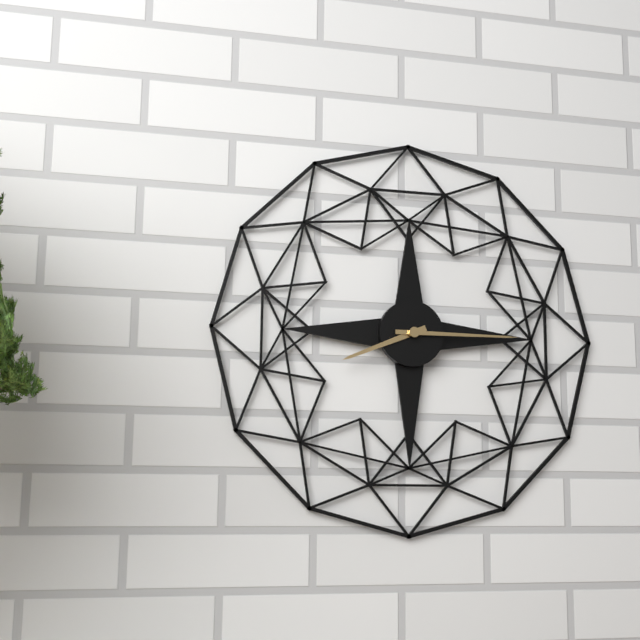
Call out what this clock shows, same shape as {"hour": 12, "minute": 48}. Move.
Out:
{"hour": 8, "minute": 15}
